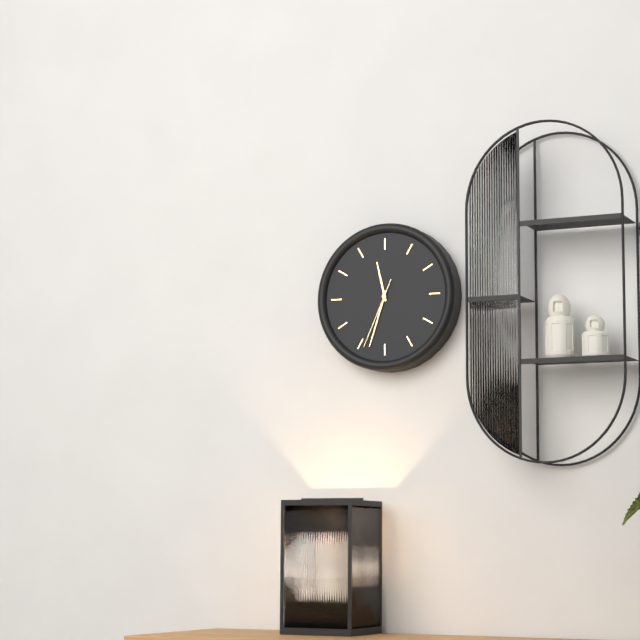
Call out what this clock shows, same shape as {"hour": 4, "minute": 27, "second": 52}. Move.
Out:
{"hour": 11, "minute": 33, "second": 34}
